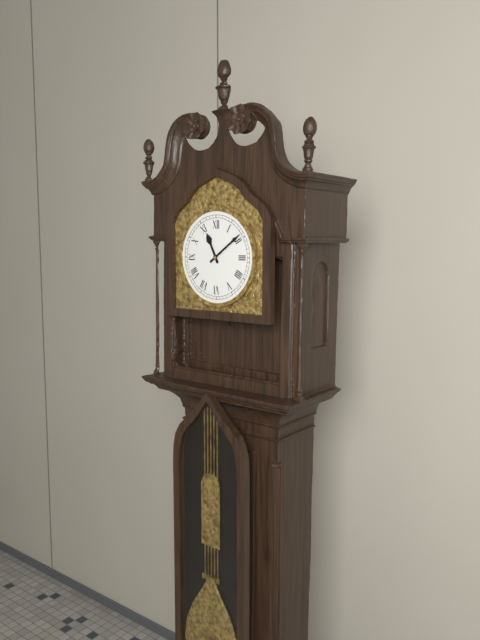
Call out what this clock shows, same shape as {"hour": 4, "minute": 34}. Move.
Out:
{"hour": 11, "minute": 9}
